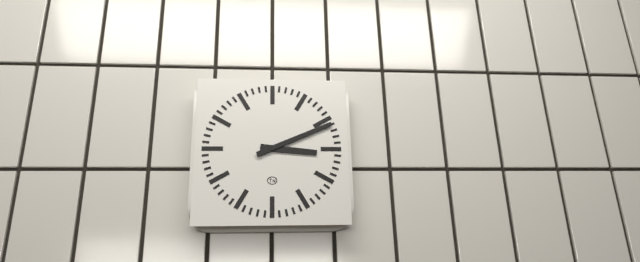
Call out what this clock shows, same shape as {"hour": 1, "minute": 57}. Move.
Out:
{"hour": 3, "minute": 11}
